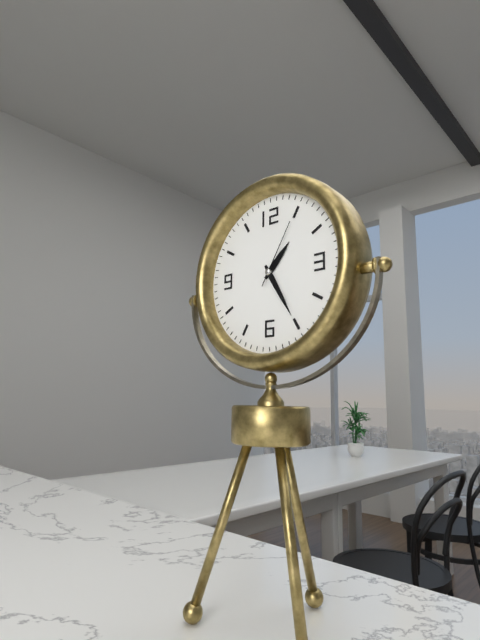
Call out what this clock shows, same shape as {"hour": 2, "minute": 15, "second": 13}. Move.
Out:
{"hour": 1, "minute": 25, "second": 5}
